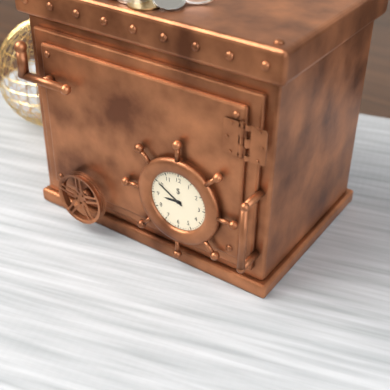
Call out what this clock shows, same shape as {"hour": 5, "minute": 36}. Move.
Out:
{"hour": 8, "minute": 50}
